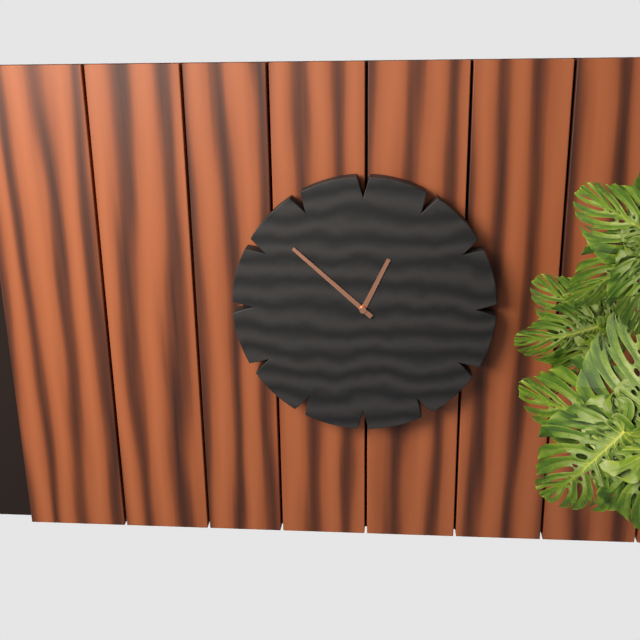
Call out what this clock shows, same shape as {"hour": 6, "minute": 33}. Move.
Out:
{"hour": 12, "minute": 52}
